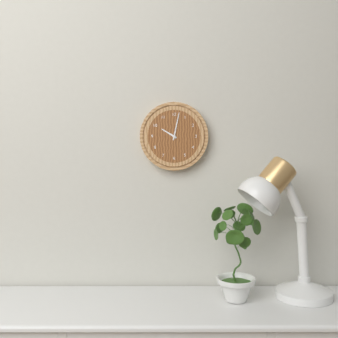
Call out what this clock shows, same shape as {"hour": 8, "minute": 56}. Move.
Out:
{"hour": 10, "minute": 2}
